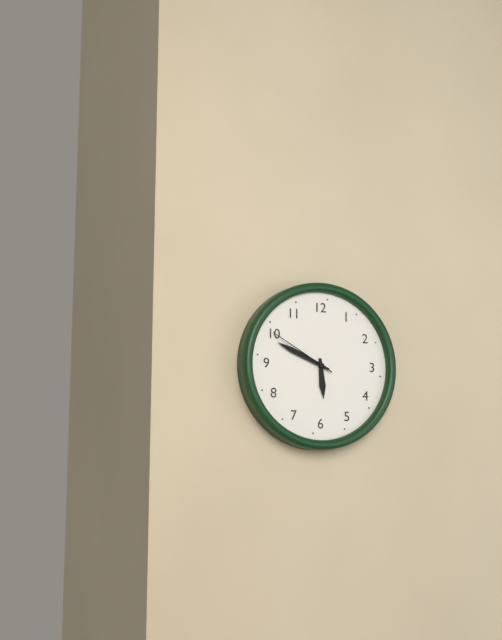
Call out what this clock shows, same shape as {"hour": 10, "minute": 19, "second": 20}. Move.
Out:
{"hour": 5, "minute": 49, "second": 50}
